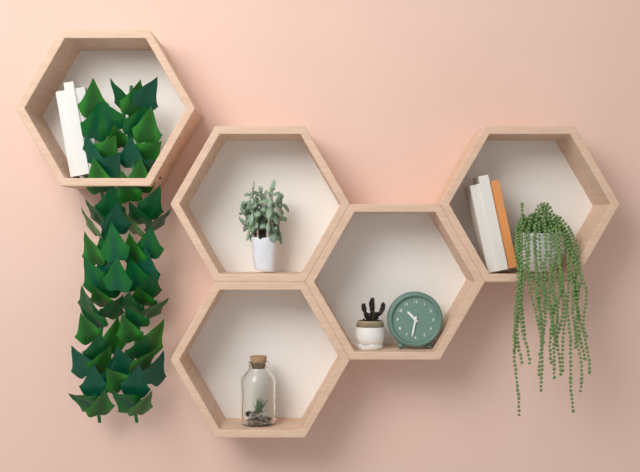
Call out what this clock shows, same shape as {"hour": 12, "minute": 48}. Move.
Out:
{"hour": 10, "minute": 32}
